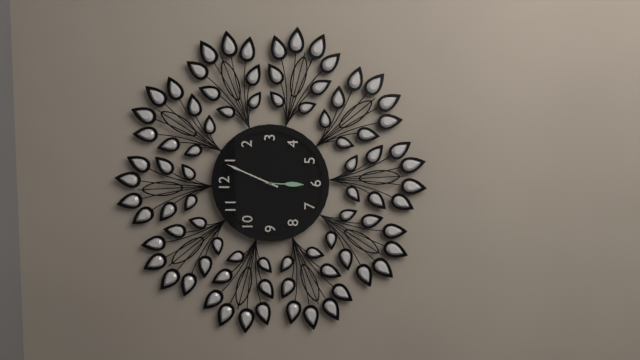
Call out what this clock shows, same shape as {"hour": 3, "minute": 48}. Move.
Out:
{"hour": 6, "minute": 4}
